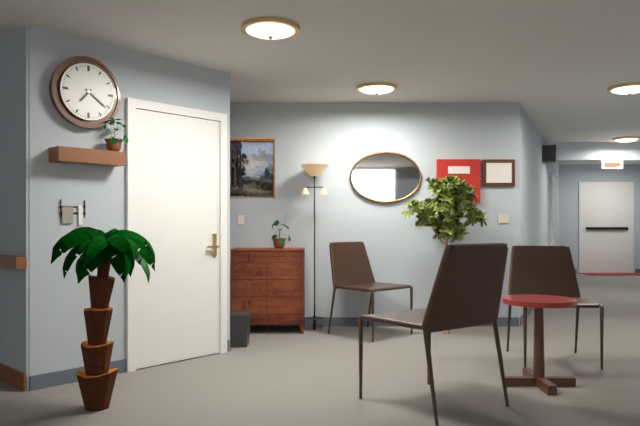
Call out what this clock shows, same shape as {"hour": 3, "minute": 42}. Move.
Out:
{"hour": 7, "minute": 21}
